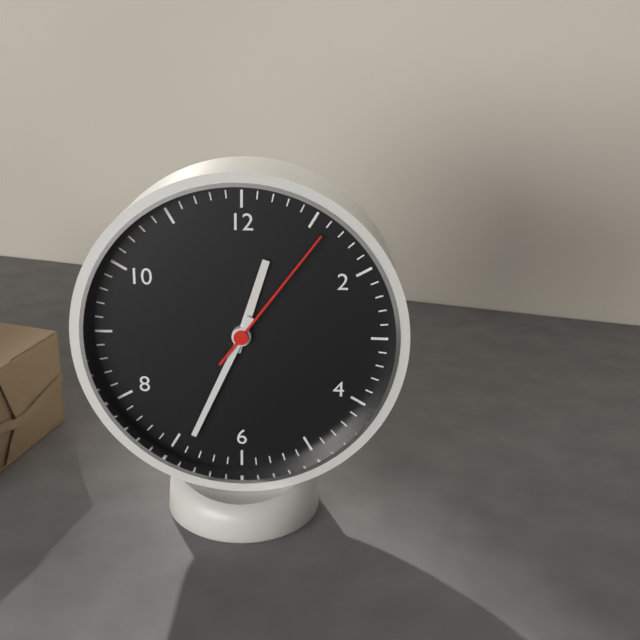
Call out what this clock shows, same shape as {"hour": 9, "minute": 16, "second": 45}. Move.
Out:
{"hour": 12, "minute": 34, "second": 6}
